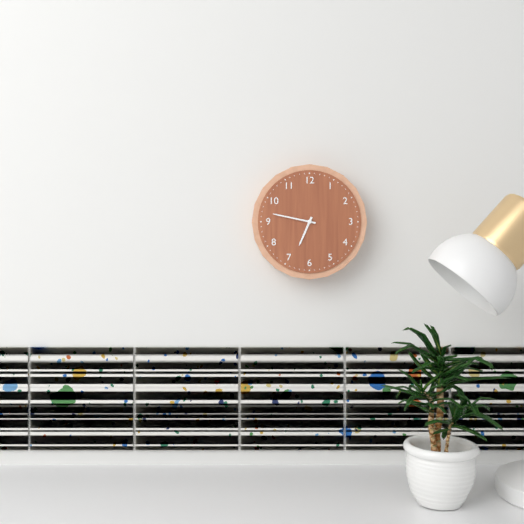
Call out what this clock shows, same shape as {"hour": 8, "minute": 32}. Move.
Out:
{"hour": 6, "minute": 47}
